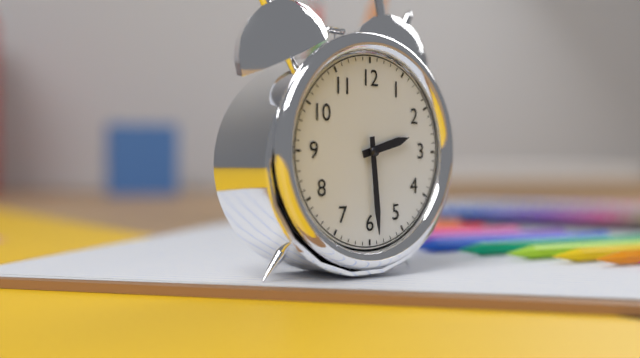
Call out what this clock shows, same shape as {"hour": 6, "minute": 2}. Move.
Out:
{"hour": 2, "minute": 29}
